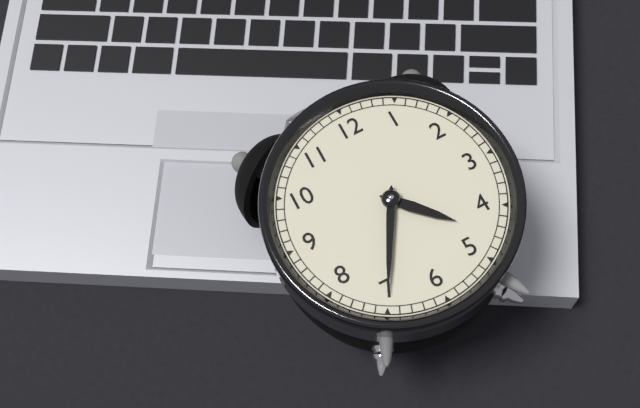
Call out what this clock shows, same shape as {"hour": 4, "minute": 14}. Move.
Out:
{"hour": 4, "minute": 35}
